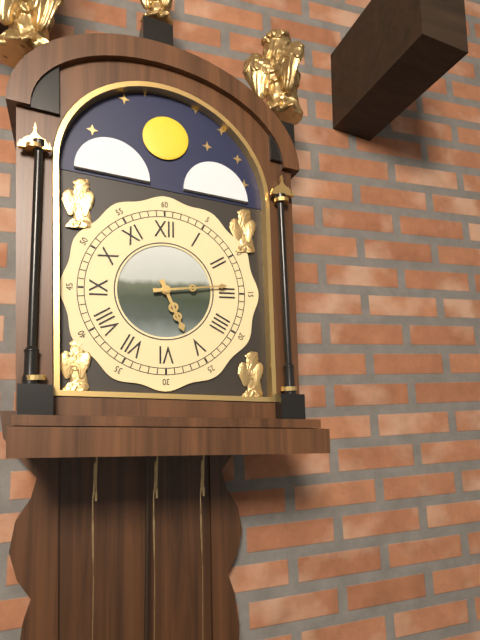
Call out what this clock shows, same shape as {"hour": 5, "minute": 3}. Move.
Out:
{"hour": 5, "minute": 14}
